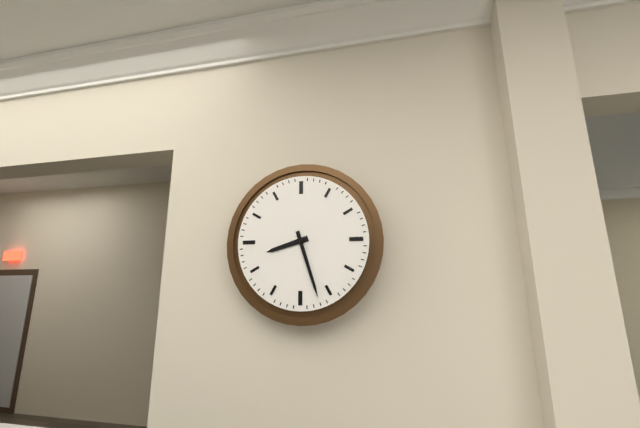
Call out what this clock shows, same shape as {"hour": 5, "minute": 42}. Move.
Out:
{"hour": 8, "minute": 27}
